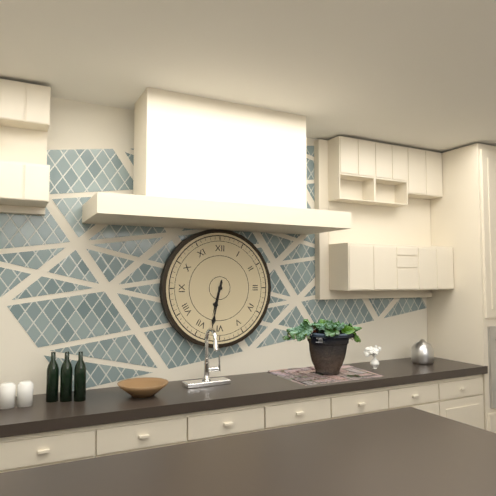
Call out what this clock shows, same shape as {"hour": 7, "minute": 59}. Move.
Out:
{"hour": 6, "minute": 32}
